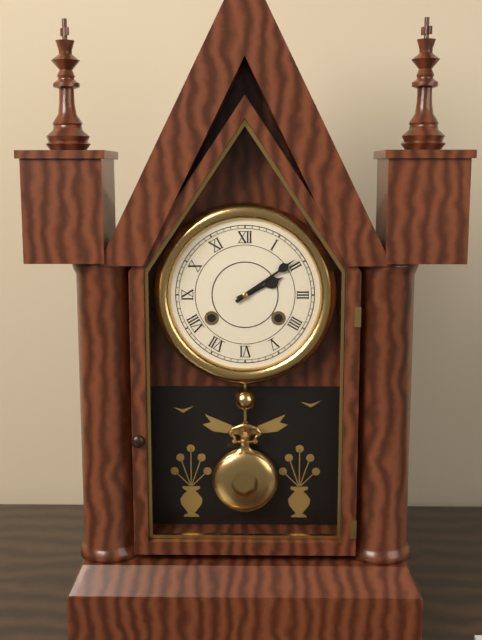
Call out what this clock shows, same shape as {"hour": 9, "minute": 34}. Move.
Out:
{"hour": 2, "minute": 9}
